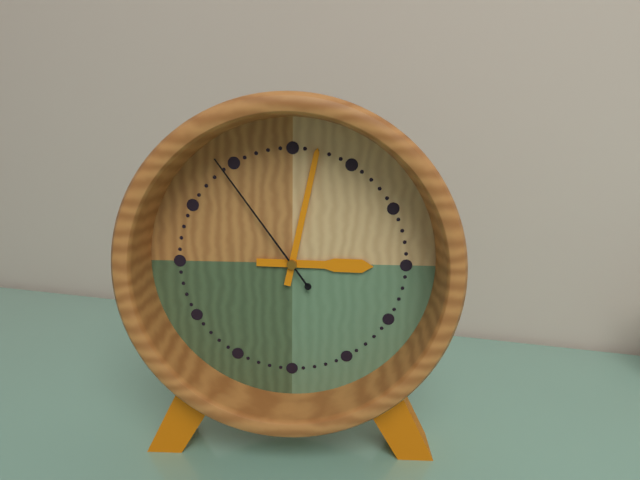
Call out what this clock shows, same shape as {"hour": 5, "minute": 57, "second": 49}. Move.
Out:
{"hour": 3, "minute": 2, "second": 54}
